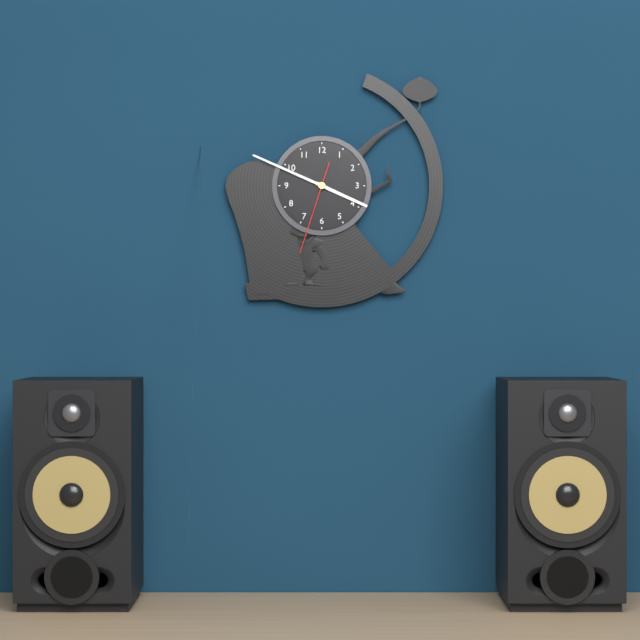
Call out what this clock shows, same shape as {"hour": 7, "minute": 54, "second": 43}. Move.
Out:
{"hour": 3, "minute": 49, "second": 33}
